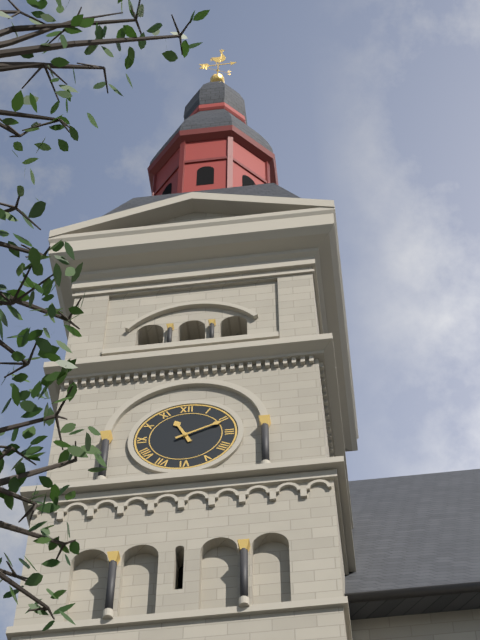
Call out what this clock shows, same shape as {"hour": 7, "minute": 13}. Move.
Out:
{"hour": 11, "minute": 11}
